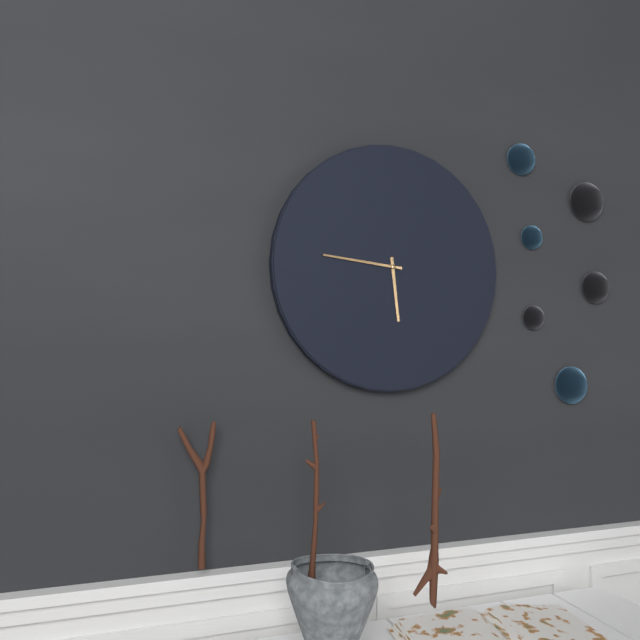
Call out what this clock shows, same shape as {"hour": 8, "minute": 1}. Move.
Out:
{"hour": 5, "minute": 46}
